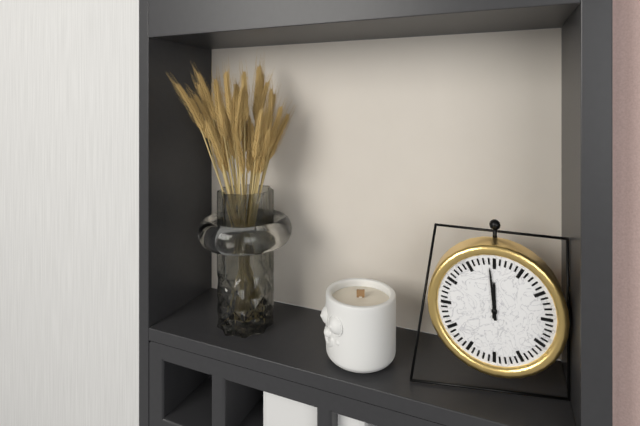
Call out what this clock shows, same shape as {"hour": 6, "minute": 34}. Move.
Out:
{"hour": 11, "minute": 59}
